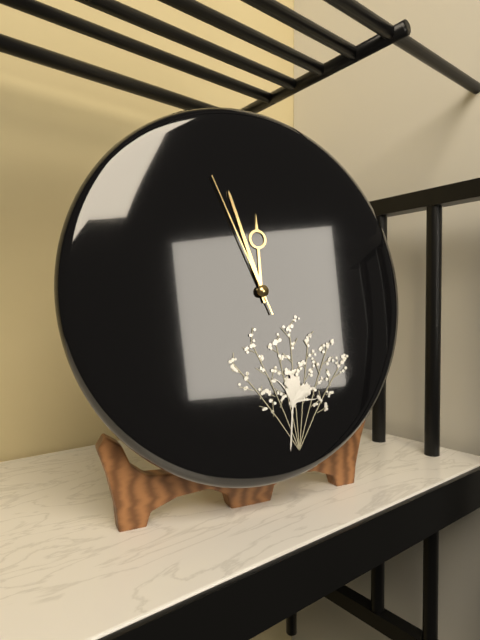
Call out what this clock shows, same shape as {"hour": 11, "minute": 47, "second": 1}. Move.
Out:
{"hour": 11, "minute": 57, "second": 56}
